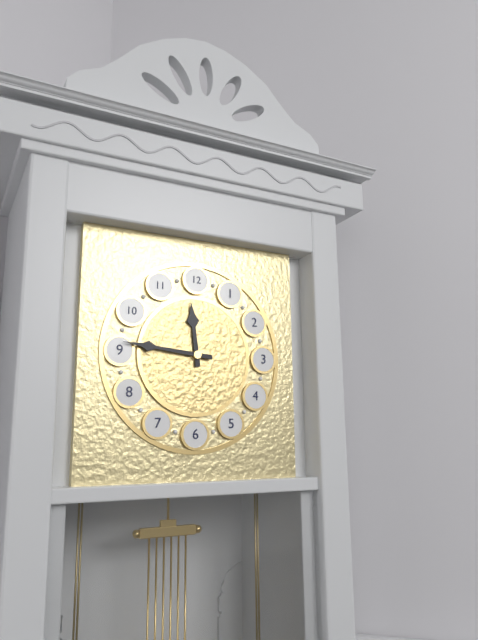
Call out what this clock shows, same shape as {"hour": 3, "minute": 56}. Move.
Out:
{"hour": 11, "minute": 46}
